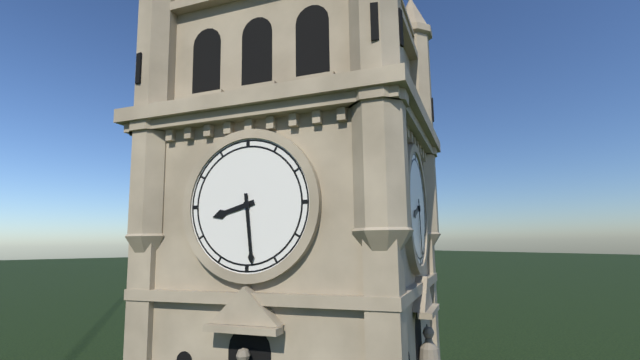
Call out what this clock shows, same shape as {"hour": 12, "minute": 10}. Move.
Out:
{"hour": 8, "minute": 29}
